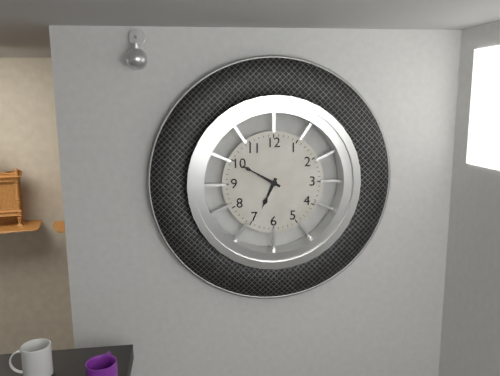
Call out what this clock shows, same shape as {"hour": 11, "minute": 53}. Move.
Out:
{"hour": 6, "minute": 50}
